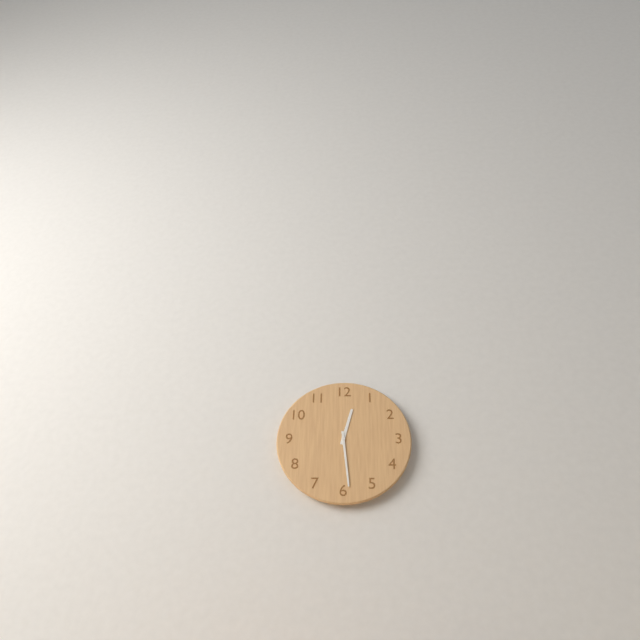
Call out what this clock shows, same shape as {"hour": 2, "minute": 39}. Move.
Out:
{"hour": 12, "minute": 29}
